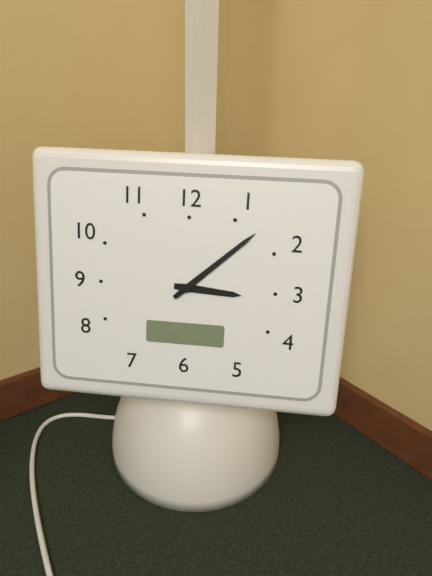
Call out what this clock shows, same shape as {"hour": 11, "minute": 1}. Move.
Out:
{"hour": 3, "minute": 8}
